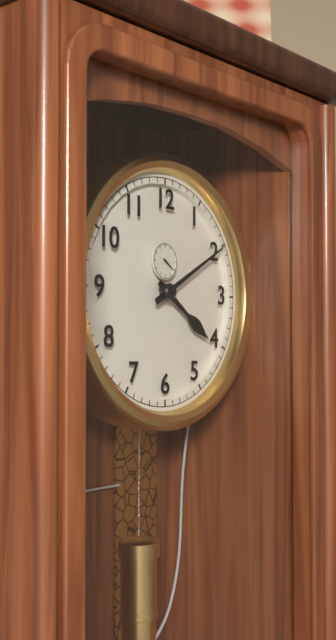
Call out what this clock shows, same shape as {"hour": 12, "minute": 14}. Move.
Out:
{"hour": 4, "minute": 10}
